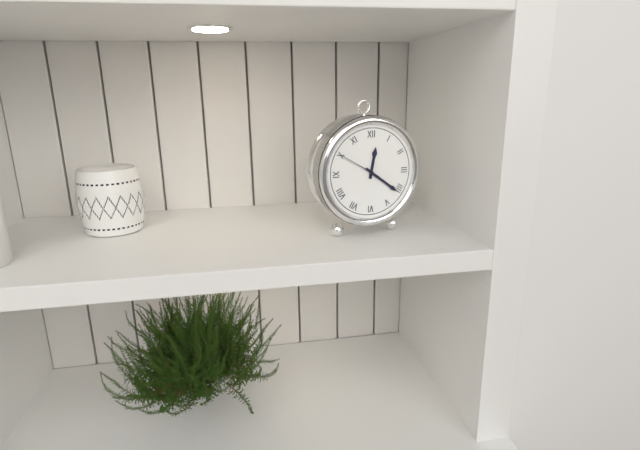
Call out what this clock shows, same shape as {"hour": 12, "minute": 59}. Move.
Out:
{"hour": 12, "minute": 21}
